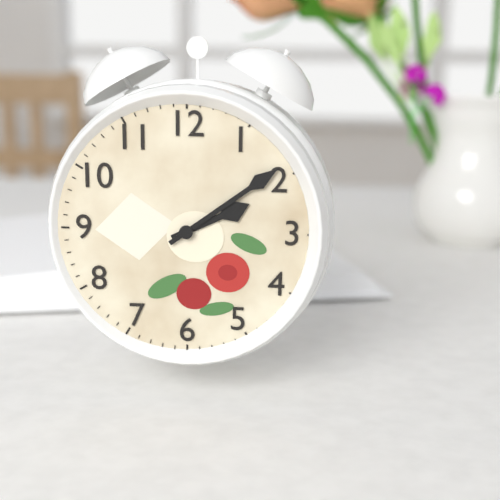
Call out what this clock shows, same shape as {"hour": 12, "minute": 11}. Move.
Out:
{"hour": 2, "minute": 9}
